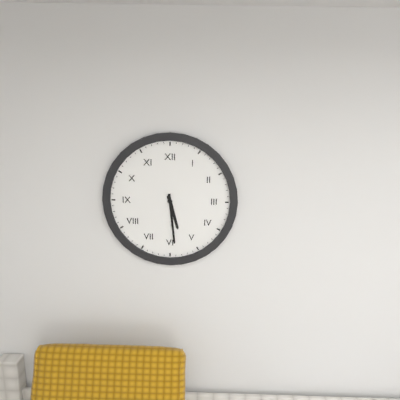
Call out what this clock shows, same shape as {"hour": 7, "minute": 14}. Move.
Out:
{"hour": 5, "minute": 29}
